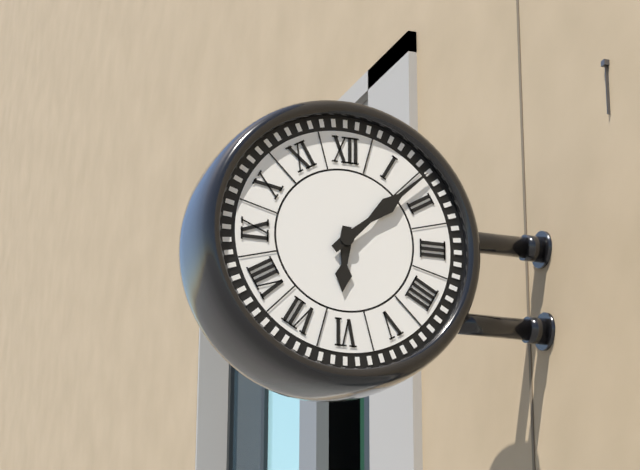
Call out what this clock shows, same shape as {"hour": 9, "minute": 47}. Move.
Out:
{"hour": 6, "minute": 8}
